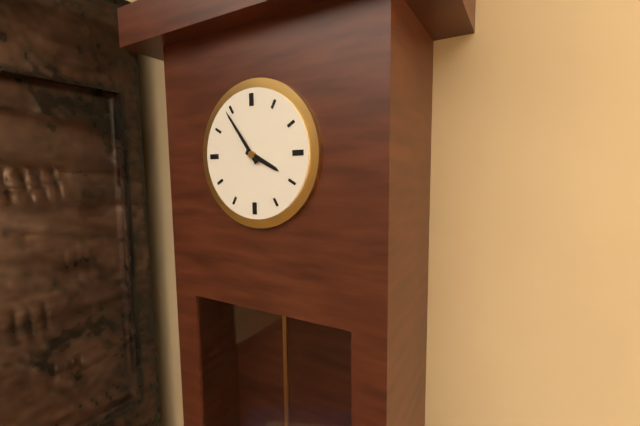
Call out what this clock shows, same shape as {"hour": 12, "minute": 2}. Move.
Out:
{"hour": 3, "minute": 54}
